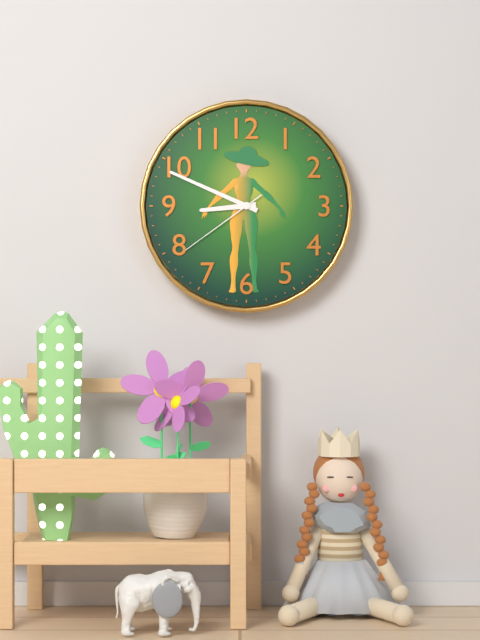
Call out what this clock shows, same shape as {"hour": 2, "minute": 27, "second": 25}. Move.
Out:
{"hour": 8, "minute": 49, "second": 39}
